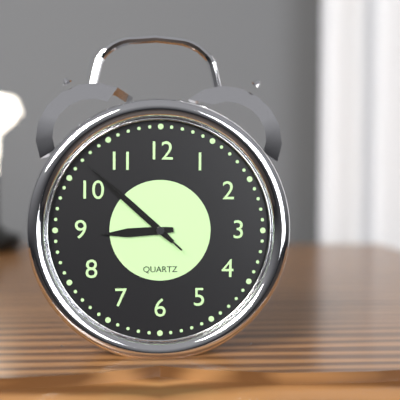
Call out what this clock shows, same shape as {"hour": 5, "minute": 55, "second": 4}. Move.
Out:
{"hour": 8, "minute": 52, "second": 52}
